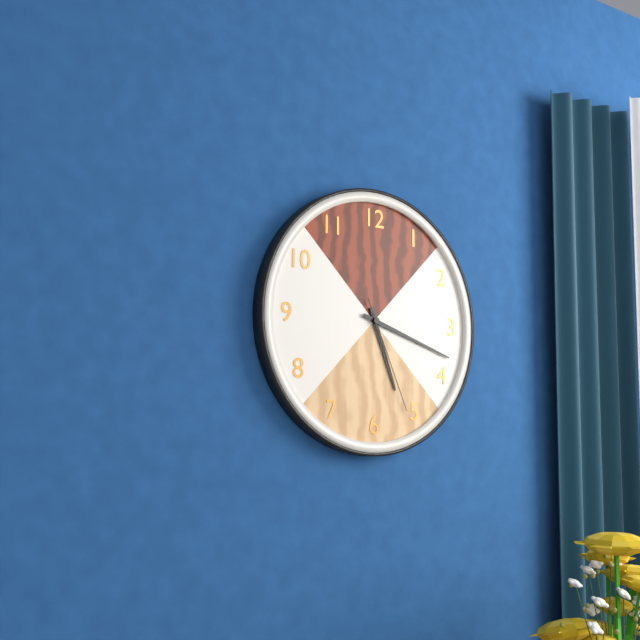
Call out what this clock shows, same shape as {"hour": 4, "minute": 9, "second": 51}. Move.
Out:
{"hour": 5, "minute": 18, "second": 26}
